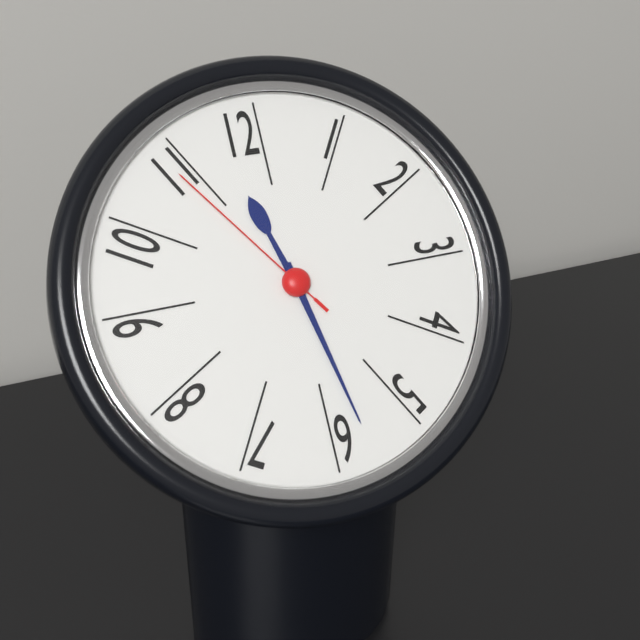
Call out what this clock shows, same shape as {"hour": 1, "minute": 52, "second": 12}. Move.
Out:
{"hour": 11, "minute": 28, "second": 54}
